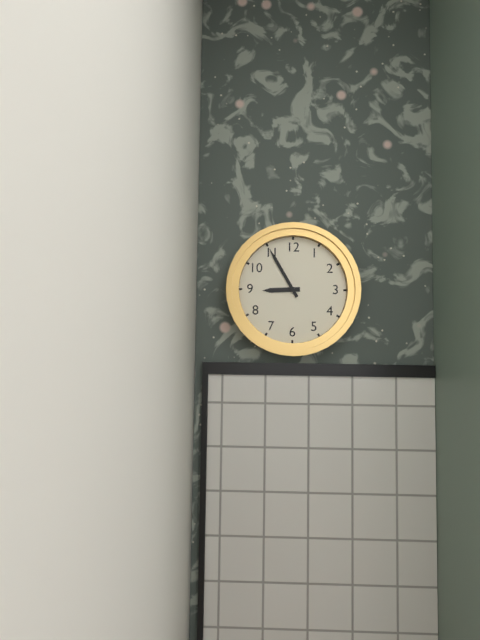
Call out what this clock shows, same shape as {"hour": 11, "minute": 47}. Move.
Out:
{"hour": 8, "minute": 55}
